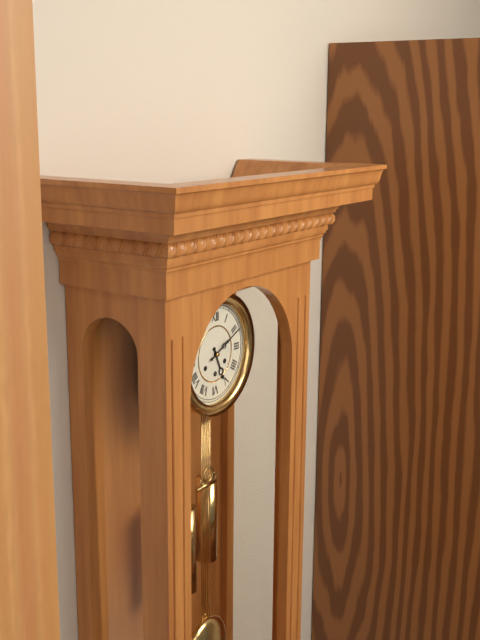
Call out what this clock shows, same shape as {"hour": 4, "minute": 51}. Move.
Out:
{"hour": 5, "minute": 11}
